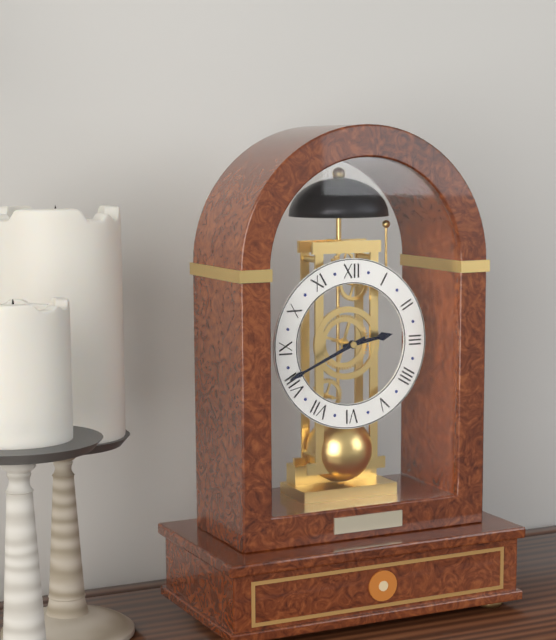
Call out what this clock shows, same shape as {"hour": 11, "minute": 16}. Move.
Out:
{"hour": 2, "minute": 41}
